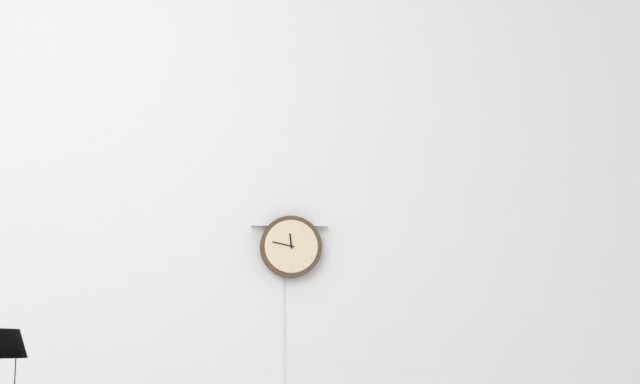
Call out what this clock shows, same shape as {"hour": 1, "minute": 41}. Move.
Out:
{"hour": 11, "minute": 47}
